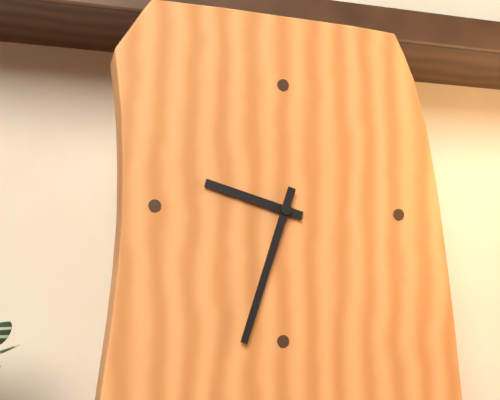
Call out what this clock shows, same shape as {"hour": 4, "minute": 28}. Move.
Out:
{"hour": 9, "minute": 33}
